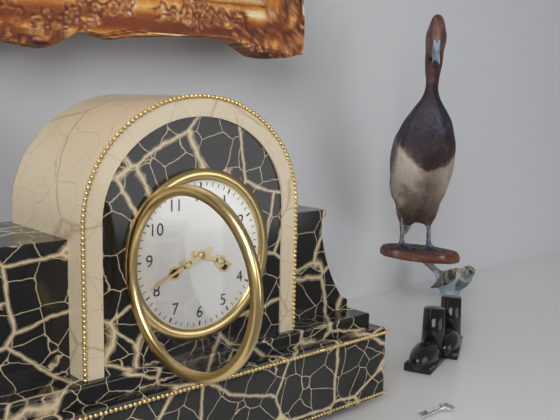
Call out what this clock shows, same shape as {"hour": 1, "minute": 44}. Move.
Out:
{"hour": 3, "minute": 41}
